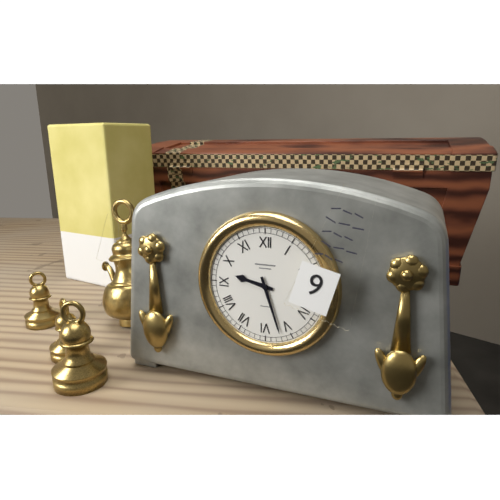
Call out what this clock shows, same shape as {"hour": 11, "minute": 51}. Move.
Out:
{"hour": 9, "minute": 27}
